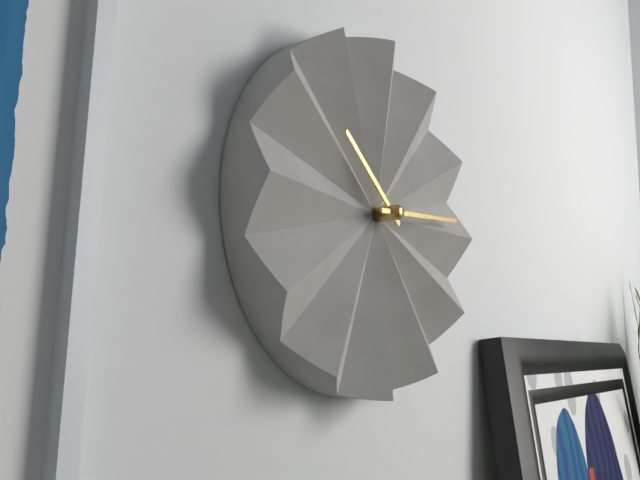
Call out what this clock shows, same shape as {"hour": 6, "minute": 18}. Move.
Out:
{"hour": 10, "minute": 14}
